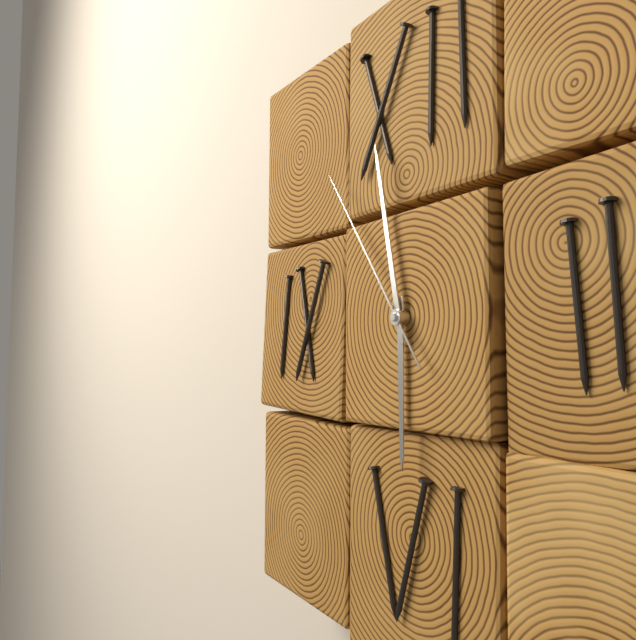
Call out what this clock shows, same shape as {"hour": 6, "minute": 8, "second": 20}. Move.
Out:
{"hour": 5, "minute": 58, "second": 54}
